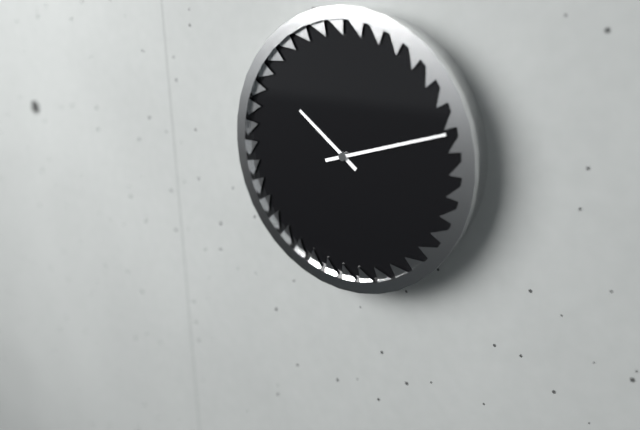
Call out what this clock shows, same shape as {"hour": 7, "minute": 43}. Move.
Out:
{"hour": 10, "minute": 12}
